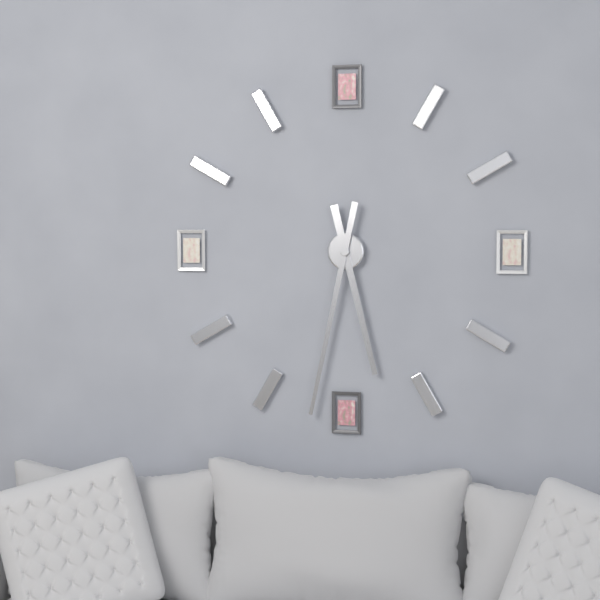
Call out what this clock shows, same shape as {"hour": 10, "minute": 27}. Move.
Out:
{"hour": 5, "minute": 32}
